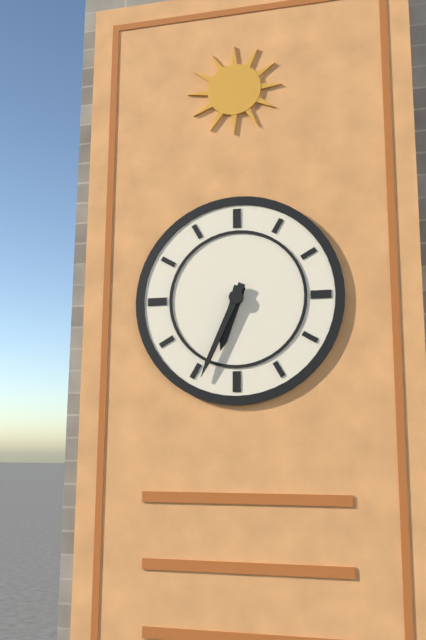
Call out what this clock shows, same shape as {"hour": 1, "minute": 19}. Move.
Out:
{"hour": 6, "minute": 34}
